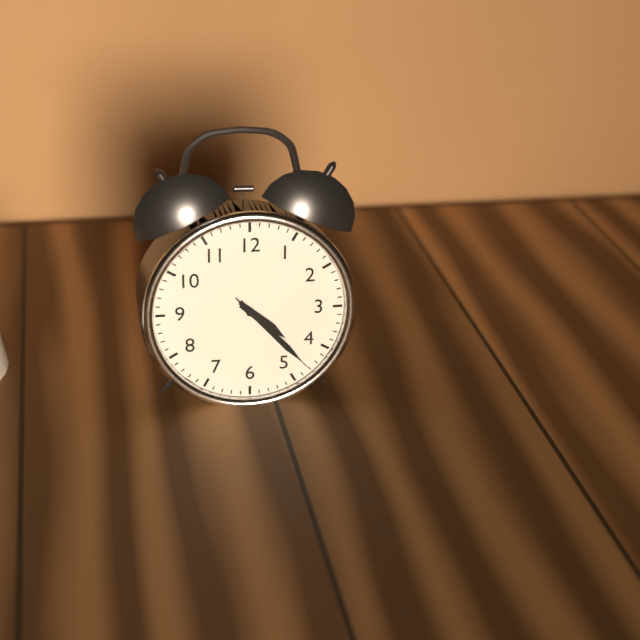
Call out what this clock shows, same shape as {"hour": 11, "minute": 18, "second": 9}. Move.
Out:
{"hour": 4, "minute": 23, "second": 23}
